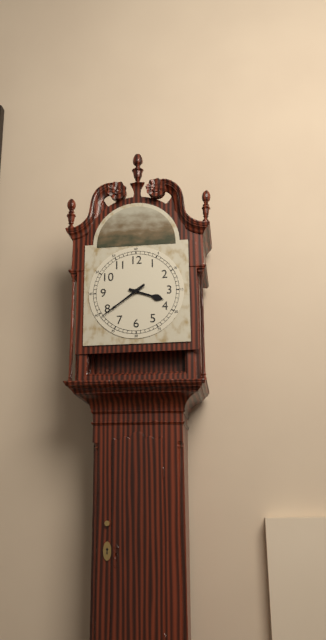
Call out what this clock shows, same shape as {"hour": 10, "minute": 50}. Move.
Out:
{"hour": 3, "minute": 39}
